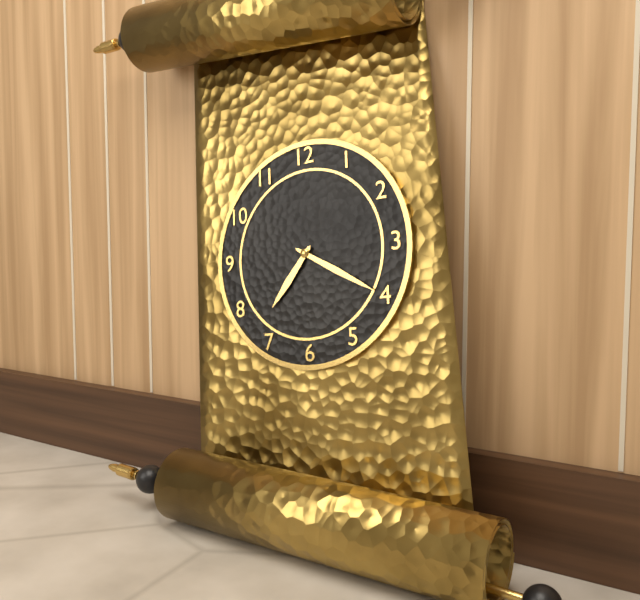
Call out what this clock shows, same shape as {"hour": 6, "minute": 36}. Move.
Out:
{"hour": 7, "minute": 20}
